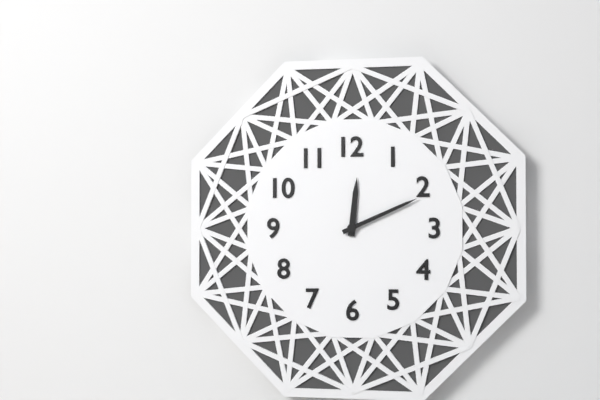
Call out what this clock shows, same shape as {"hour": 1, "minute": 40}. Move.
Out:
{"hour": 12, "minute": 11}
